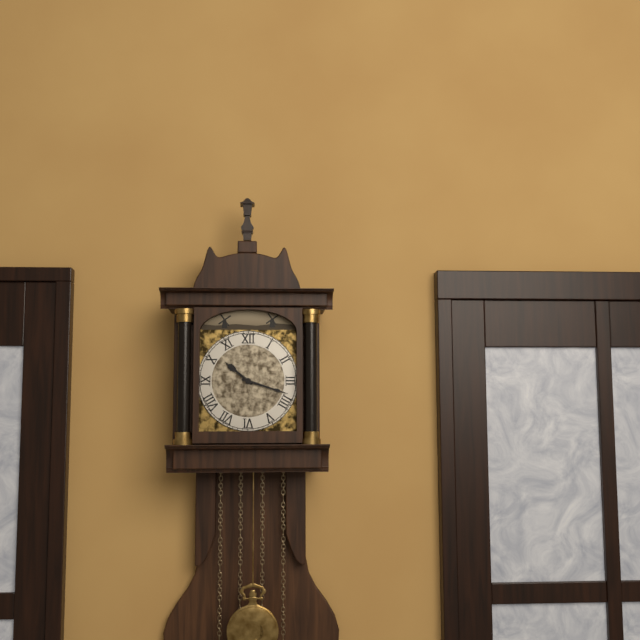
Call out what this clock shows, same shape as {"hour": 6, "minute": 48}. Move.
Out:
{"hour": 10, "minute": 18}
